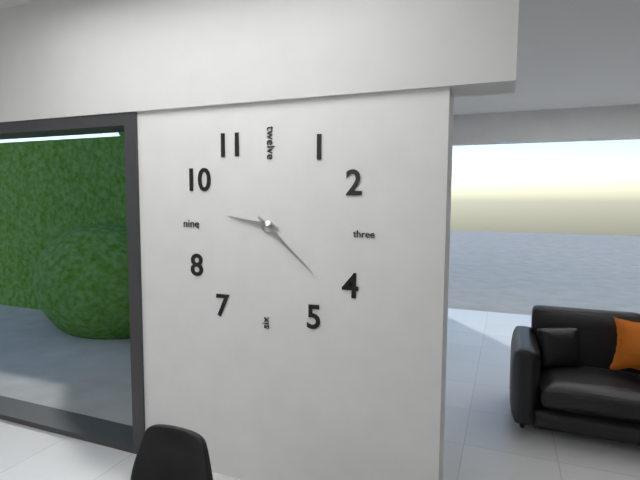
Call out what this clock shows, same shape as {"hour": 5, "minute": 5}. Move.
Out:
{"hour": 9, "minute": 22}
